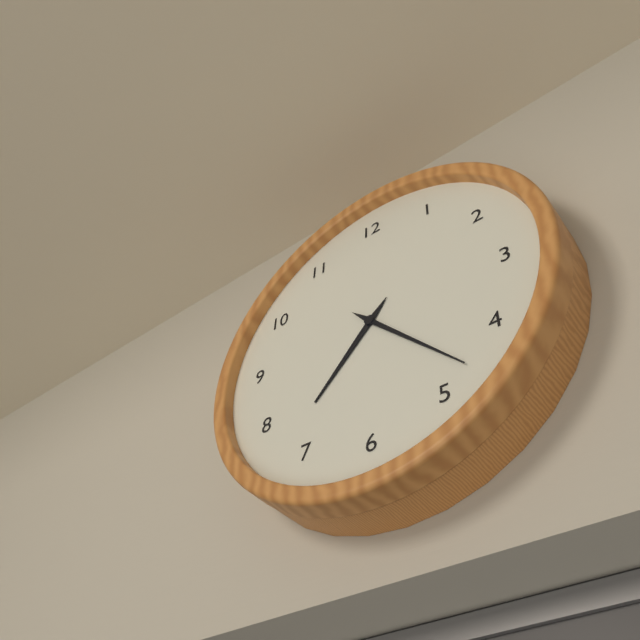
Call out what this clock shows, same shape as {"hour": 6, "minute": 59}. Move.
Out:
{"hour": 7, "minute": 23}
